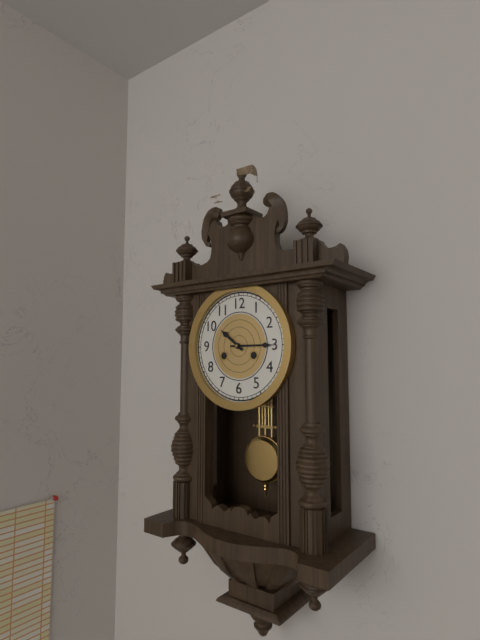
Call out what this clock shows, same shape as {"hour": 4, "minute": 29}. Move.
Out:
{"hour": 10, "minute": 15}
